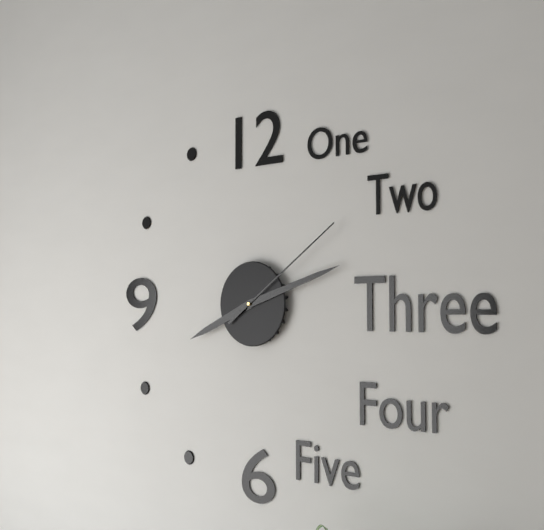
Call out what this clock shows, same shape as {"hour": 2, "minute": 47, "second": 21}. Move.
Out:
{"hour": 8, "minute": 12, "second": 9}
